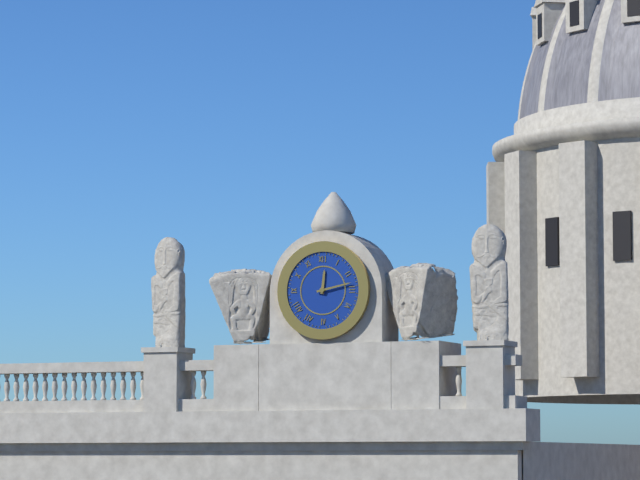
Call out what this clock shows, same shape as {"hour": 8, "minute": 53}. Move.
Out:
{"hour": 12, "minute": 13}
